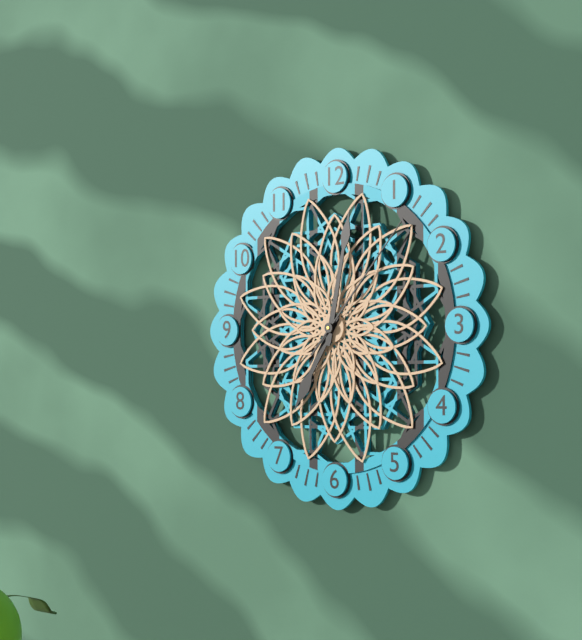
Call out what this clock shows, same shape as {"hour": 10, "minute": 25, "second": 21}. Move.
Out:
{"hour": 7, "minute": 2, "second": 7}
